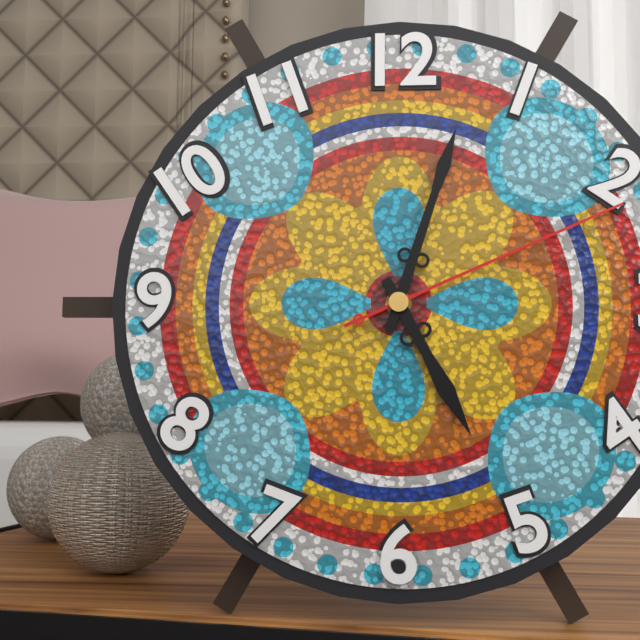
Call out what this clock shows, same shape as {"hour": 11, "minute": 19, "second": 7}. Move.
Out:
{"hour": 5, "minute": 3, "second": 11}
